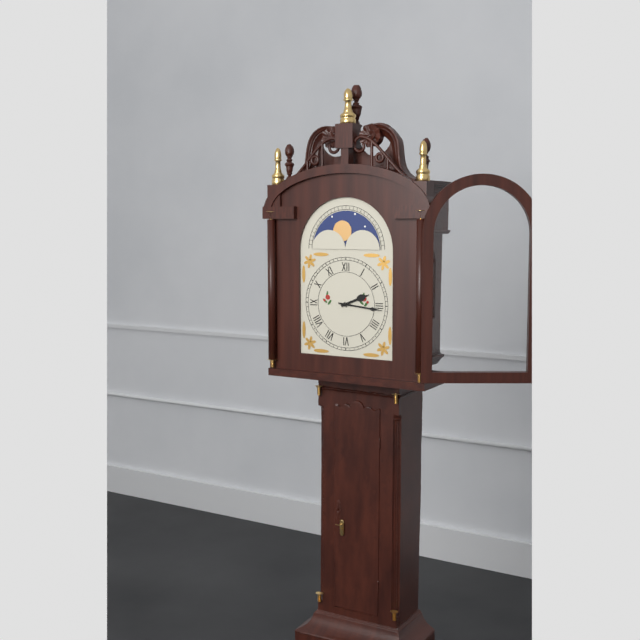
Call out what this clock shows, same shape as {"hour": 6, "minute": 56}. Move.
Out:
{"hour": 2, "minute": 16}
